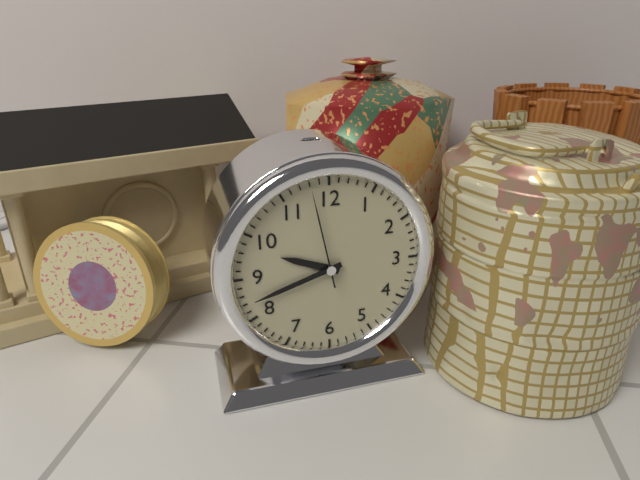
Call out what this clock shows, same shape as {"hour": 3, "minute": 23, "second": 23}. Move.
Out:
{"hour": 9, "minute": 42, "second": 58}
